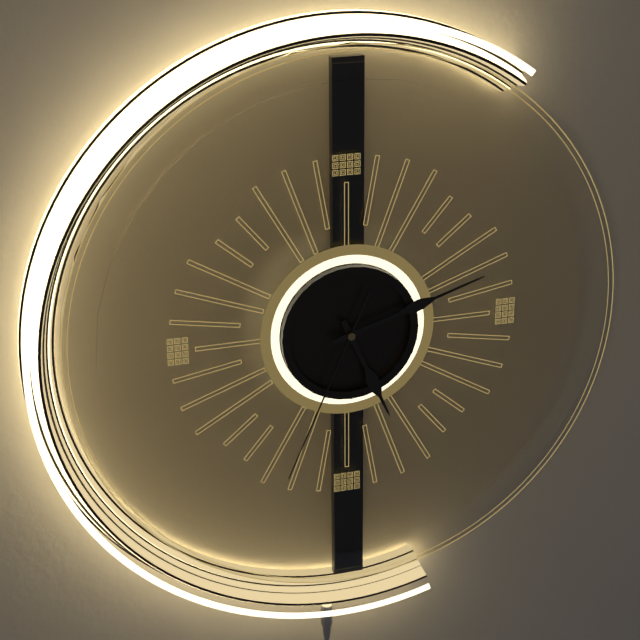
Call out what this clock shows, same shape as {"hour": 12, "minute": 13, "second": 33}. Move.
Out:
{"hour": 5, "minute": 12, "second": 34}
